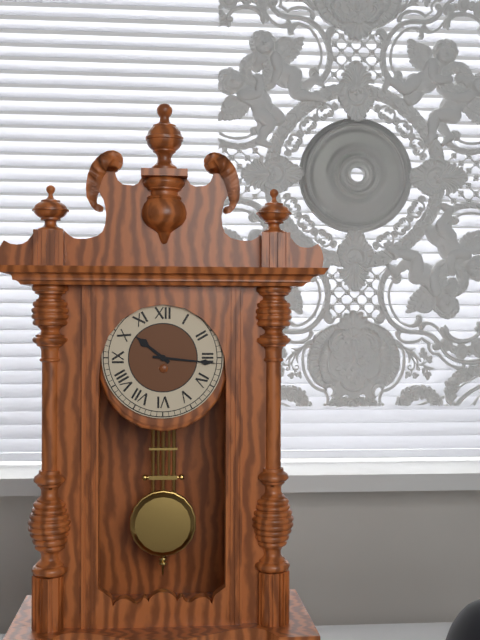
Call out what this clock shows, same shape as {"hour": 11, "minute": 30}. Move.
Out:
{"hour": 10, "minute": 16}
